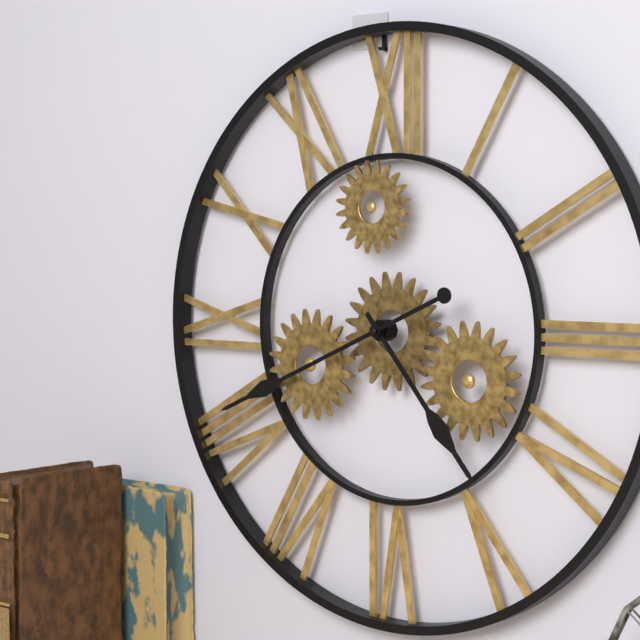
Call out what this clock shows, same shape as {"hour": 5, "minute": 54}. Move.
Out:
{"hour": 4, "minute": 41}
